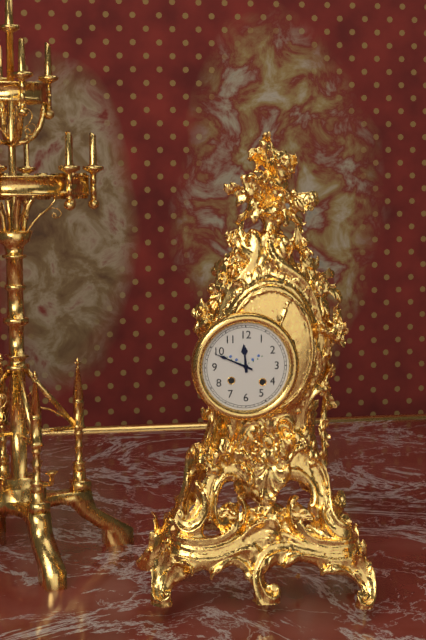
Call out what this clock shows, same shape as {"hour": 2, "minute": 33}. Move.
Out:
{"hour": 11, "minute": 49}
